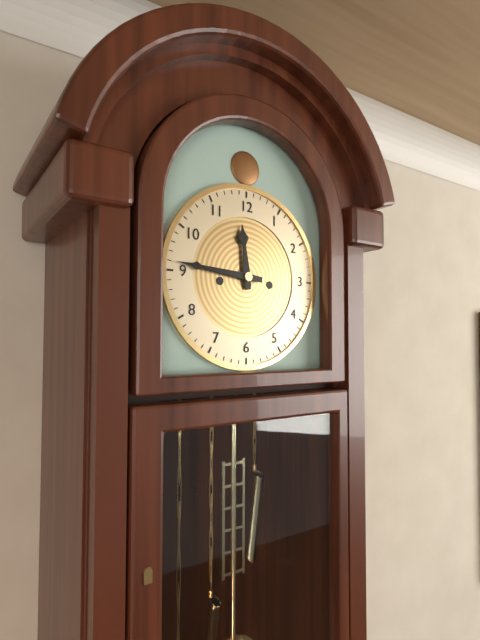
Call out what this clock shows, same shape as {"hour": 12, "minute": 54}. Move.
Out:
{"hour": 11, "minute": 46}
